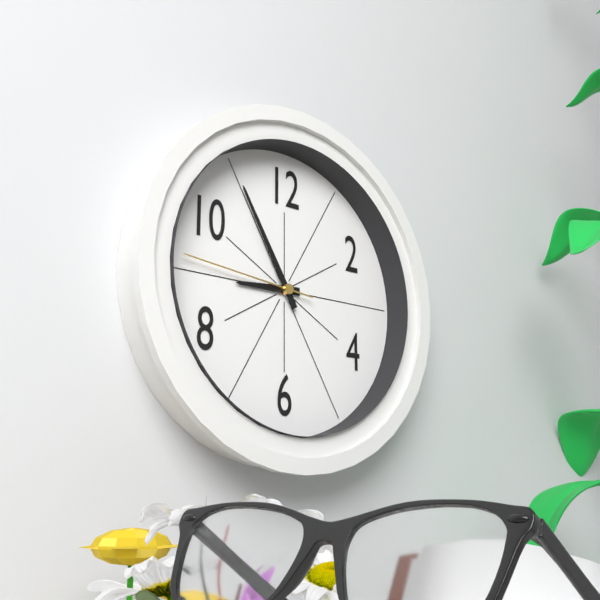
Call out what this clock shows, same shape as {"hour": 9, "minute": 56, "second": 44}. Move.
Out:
{"hour": 8, "minute": 55, "second": 46}
